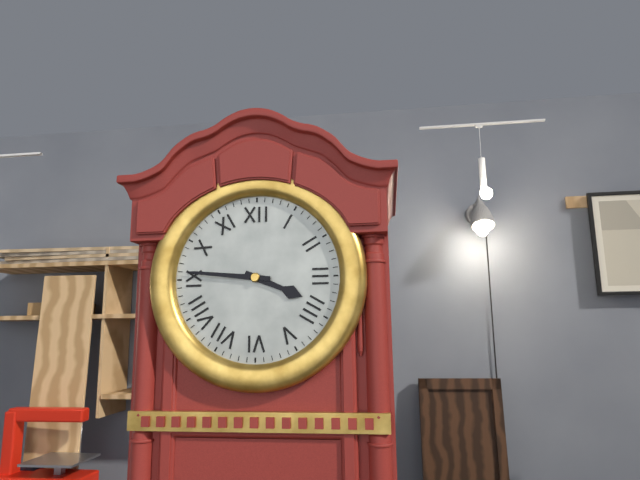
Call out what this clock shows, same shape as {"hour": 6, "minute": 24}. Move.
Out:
{"hour": 3, "minute": 46}
